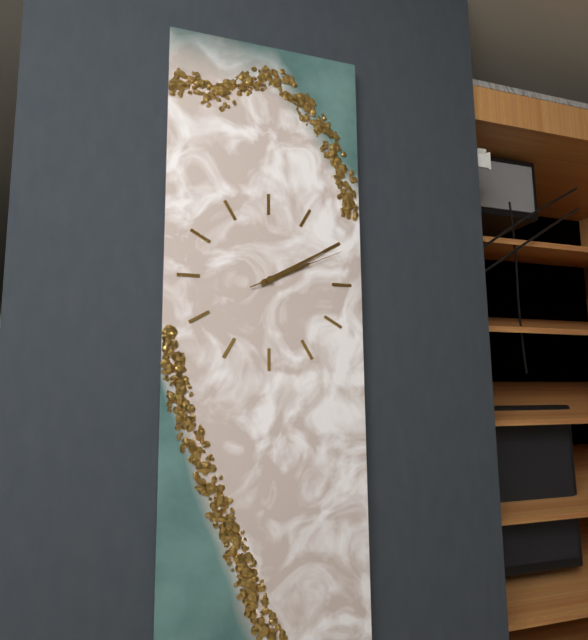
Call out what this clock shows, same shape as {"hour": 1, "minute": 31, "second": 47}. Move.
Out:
{"hour": 2, "minute": 10, "second": 11}
